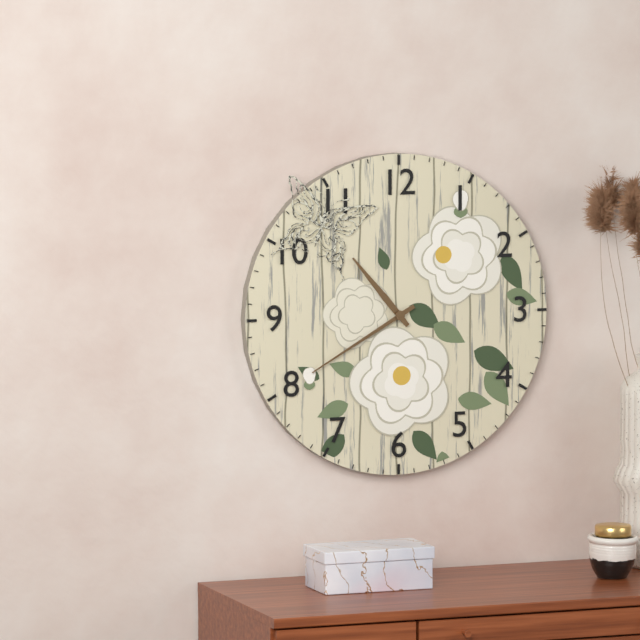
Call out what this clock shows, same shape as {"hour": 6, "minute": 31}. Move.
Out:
{"hour": 10, "minute": 40}
